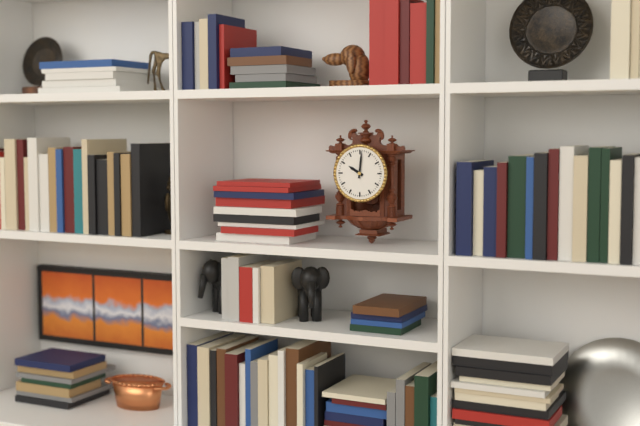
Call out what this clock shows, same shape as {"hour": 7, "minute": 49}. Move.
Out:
{"hour": 10, "minute": 1}
